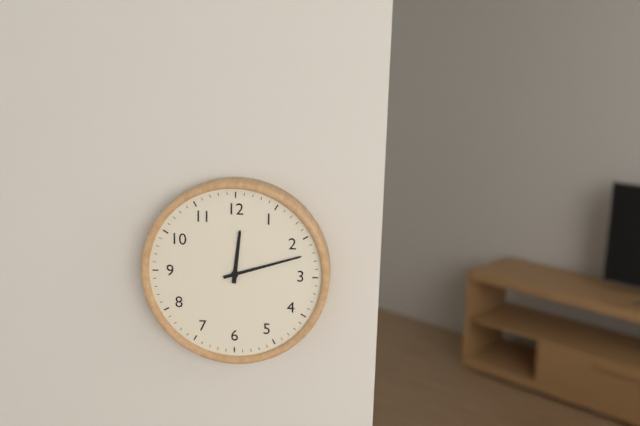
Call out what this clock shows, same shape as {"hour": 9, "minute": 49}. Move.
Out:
{"hour": 12, "minute": 12}
